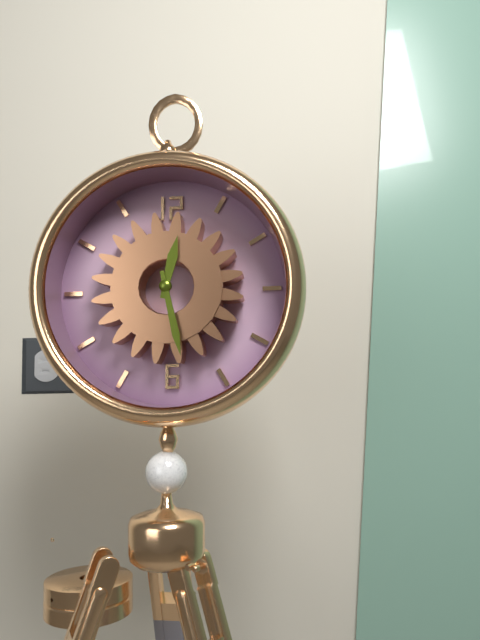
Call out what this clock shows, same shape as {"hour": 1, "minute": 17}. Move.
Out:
{"hour": 12, "minute": 28}
